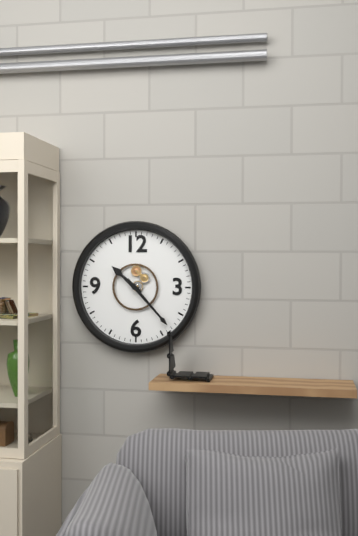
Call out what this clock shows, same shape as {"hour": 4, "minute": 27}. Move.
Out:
{"hour": 10, "minute": 23}
